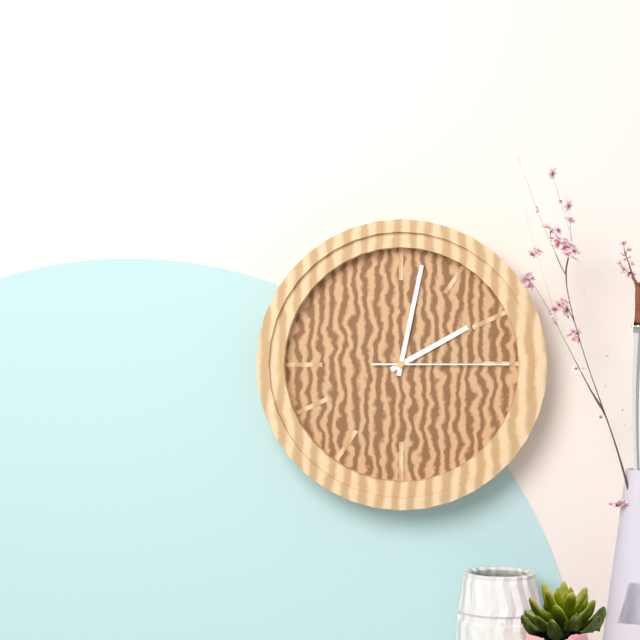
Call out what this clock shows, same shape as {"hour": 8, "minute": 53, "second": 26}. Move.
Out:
{"hour": 2, "minute": 2, "second": 15}
